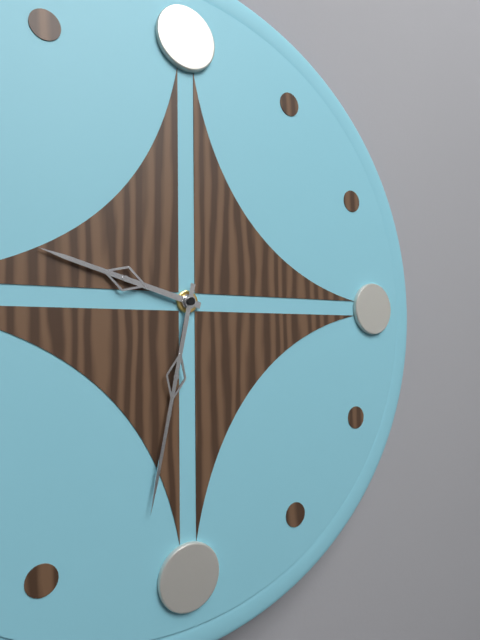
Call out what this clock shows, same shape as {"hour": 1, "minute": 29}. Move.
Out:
{"hour": 9, "minute": 32}
